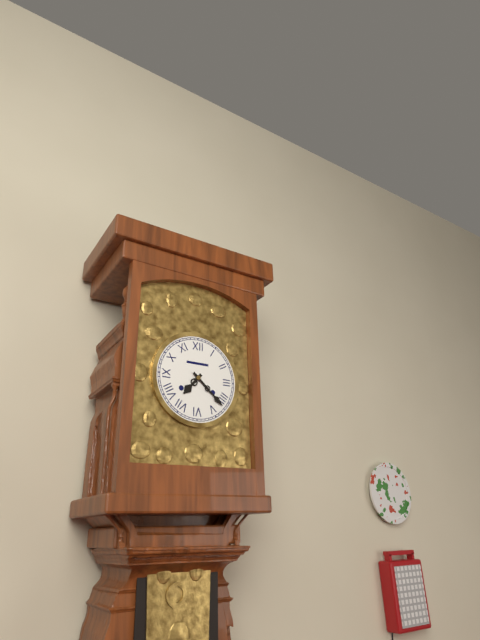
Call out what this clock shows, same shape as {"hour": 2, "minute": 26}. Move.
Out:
{"hour": 7, "minute": 22}
